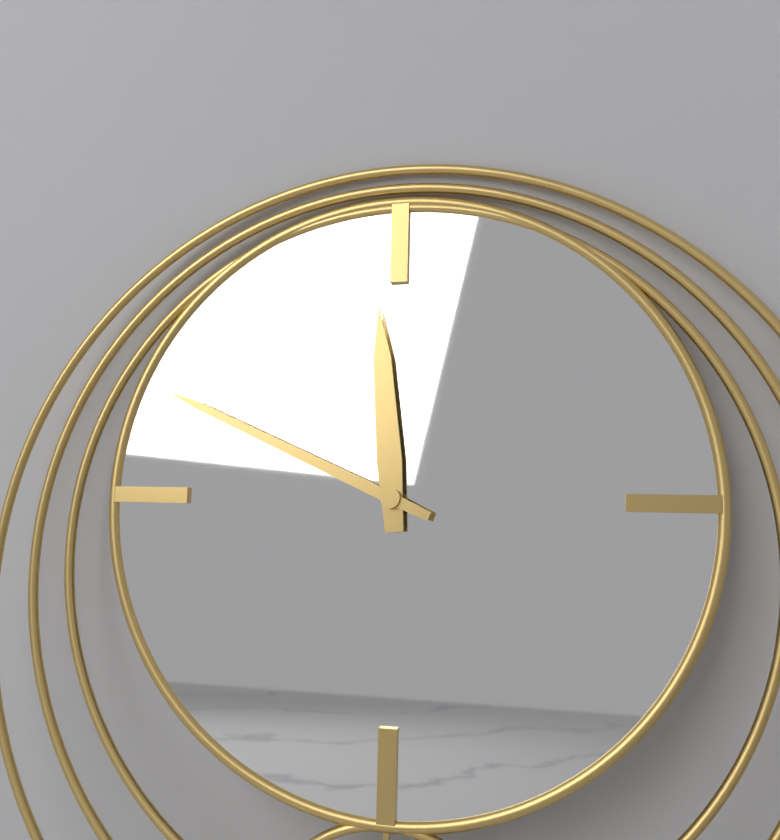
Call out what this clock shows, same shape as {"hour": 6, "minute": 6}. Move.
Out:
{"hour": 11, "minute": 49}
